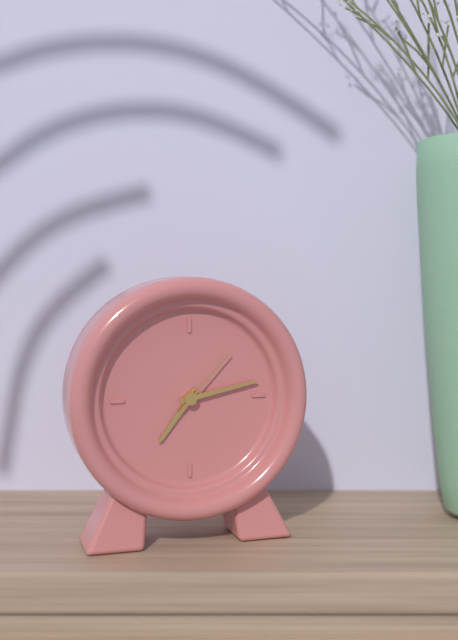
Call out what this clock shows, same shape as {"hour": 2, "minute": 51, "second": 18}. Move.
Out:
{"hour": 7, "minute": 13, "second": 7}
